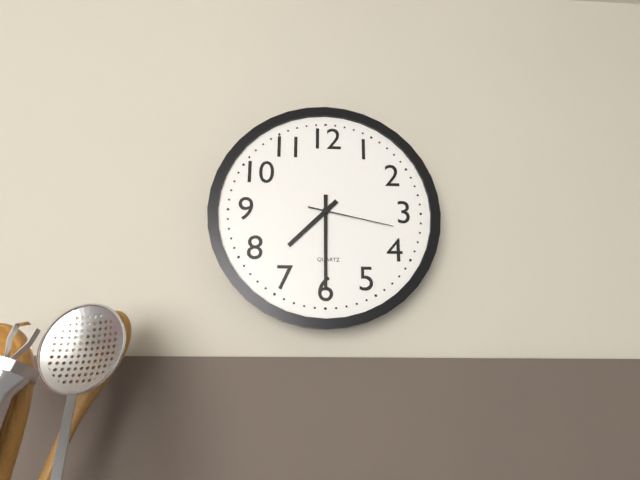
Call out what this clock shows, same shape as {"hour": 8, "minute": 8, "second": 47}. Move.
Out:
{"hour": 7, "minute": 30, "second": 17}
